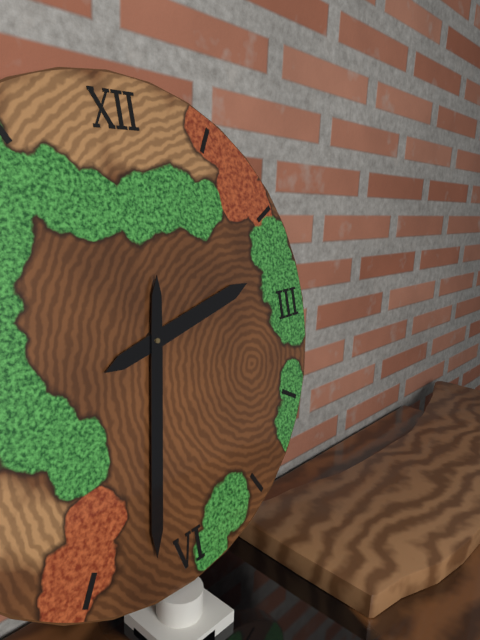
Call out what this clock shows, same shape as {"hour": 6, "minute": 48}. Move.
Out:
{"hour": 2, "minute": 32}
